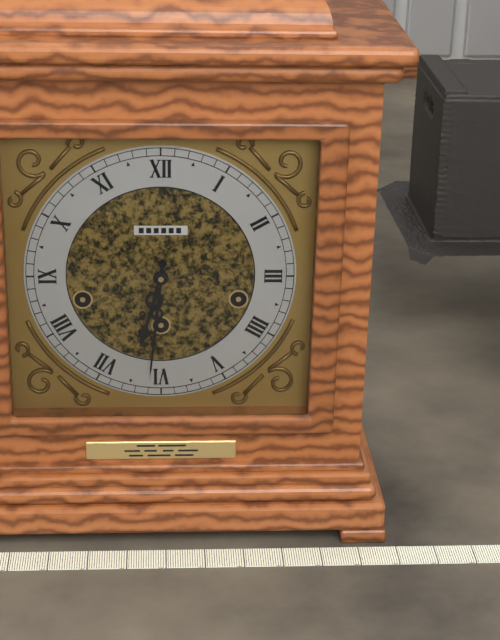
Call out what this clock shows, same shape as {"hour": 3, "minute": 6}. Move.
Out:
{"hour": 6, "minute": 31}
